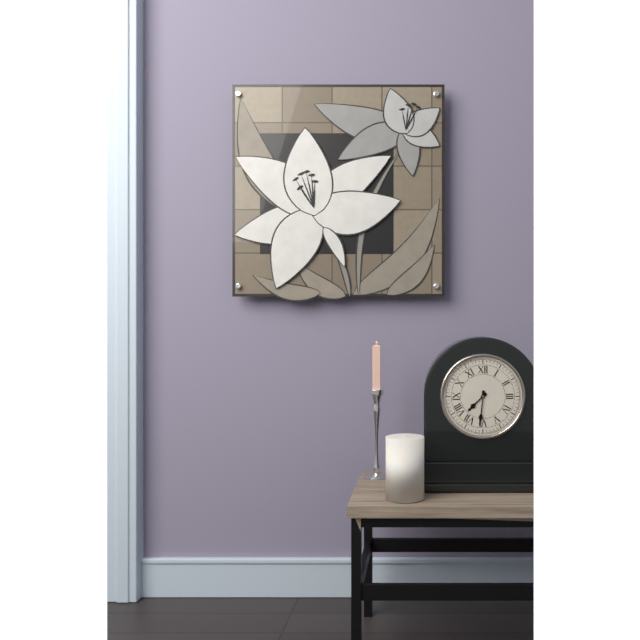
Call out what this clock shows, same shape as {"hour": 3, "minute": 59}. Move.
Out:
{"hour": 7, "minute": 31}
